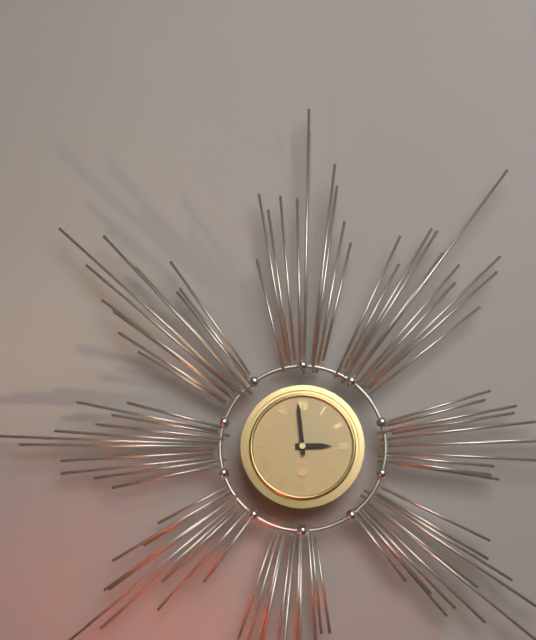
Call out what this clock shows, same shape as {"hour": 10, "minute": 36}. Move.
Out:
{"hour": 2, "minute": 59}
